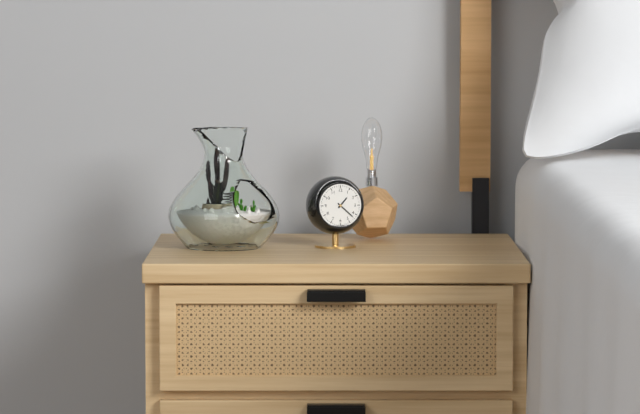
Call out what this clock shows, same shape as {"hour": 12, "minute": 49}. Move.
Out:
{"hour": 1, "minute": 22}
